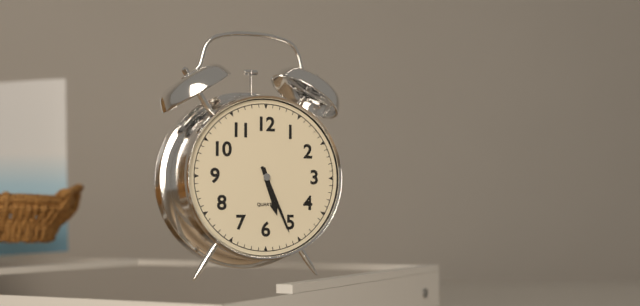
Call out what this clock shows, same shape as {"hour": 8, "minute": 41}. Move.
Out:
{"hour": 5, "minute": 26}
